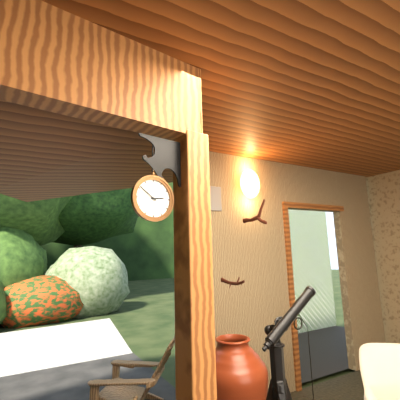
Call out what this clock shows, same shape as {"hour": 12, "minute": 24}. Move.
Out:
{"hour": 2, "minute": 51}
